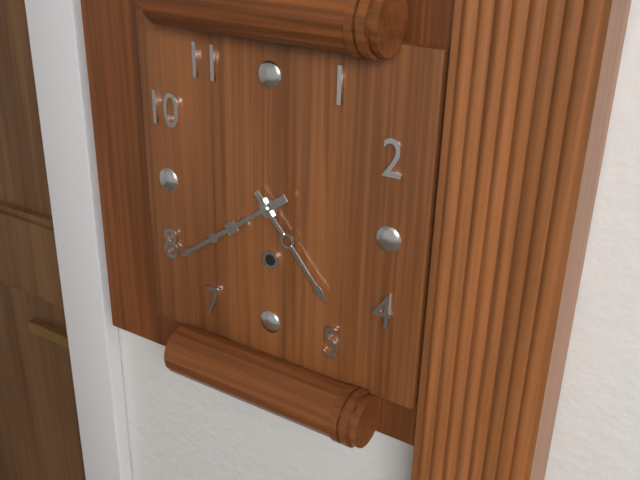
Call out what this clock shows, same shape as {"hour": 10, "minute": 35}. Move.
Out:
{"hour": 4, "minute": 39}
